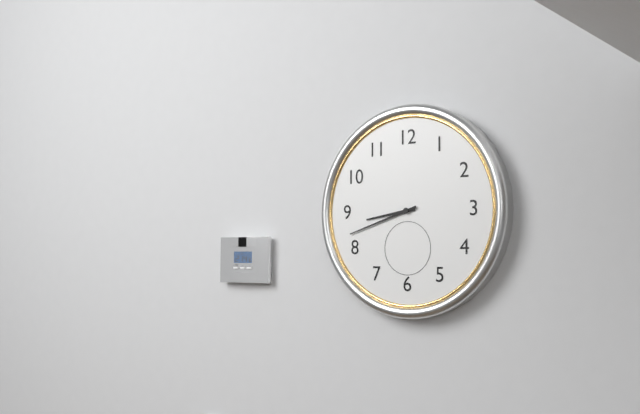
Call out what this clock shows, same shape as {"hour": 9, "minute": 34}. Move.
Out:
{"hour": 8, "minute": 42}
